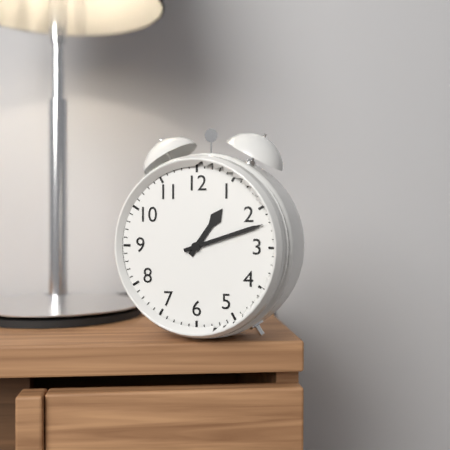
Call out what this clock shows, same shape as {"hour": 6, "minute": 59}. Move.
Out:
{"hour": 1, "minute": 12}
